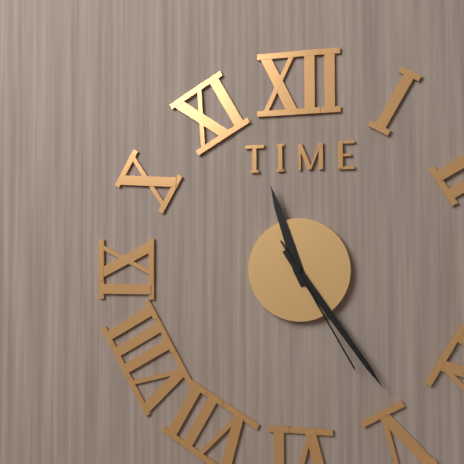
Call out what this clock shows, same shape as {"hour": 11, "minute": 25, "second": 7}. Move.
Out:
{"hour": 11, "minute": 24, "second": 25}
